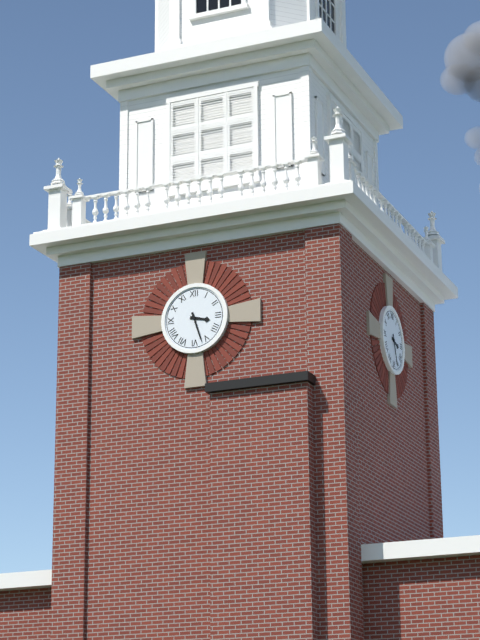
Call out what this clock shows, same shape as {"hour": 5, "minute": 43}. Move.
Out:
{"hour": 3, "minute": 27}
